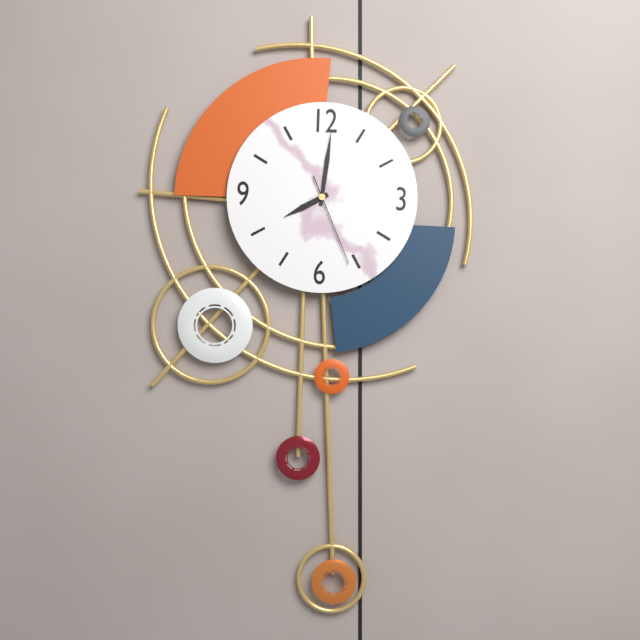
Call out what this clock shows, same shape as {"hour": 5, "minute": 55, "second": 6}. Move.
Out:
{"hour": 8, "minute": 1, "second": 26}
